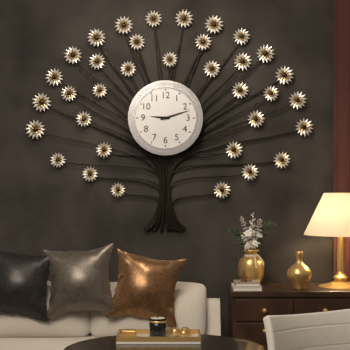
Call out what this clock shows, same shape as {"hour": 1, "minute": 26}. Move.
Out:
{"hour": 9, "minute": 12}
